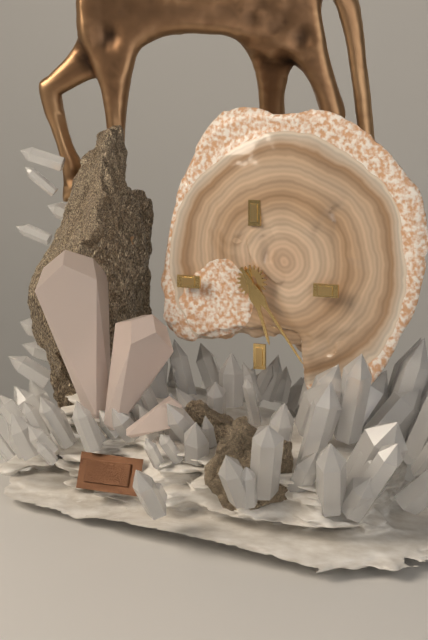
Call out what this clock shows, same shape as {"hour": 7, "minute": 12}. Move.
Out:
{"hour": 5, "minute": 24}
